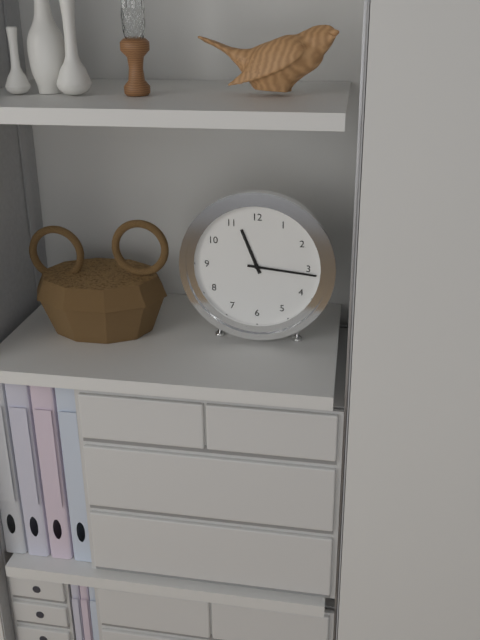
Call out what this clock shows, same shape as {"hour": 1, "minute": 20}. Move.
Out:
{"hour": 11, "minute": 16}
